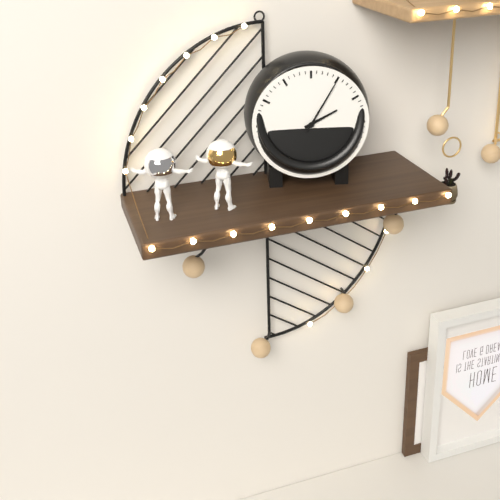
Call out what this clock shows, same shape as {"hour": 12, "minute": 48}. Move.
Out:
{"hour": 2, "minute": 5}
